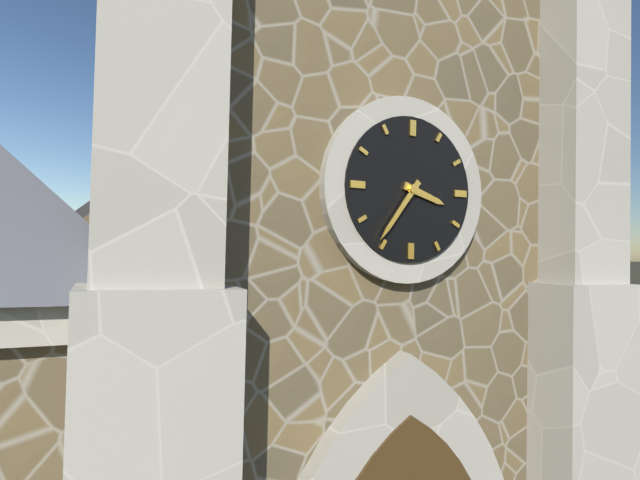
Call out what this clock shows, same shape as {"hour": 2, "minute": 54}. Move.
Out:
{"hour": 3, "minute": 36}
